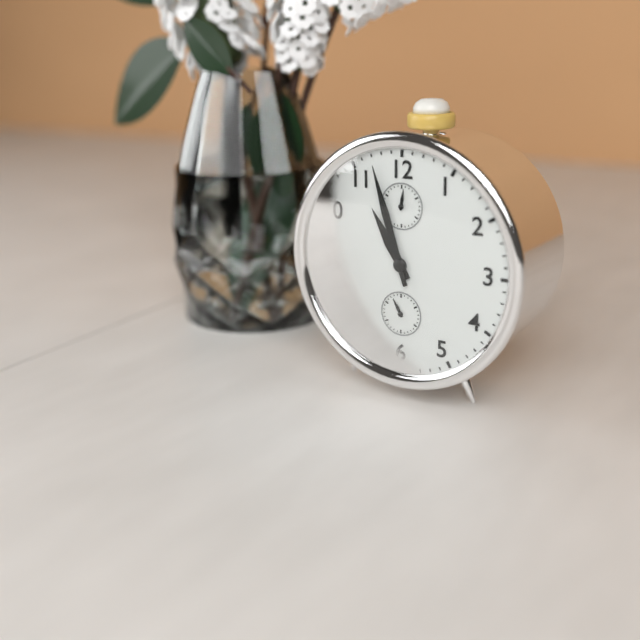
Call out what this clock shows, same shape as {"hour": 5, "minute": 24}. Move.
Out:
{"hour": 10, "minute": 57}
